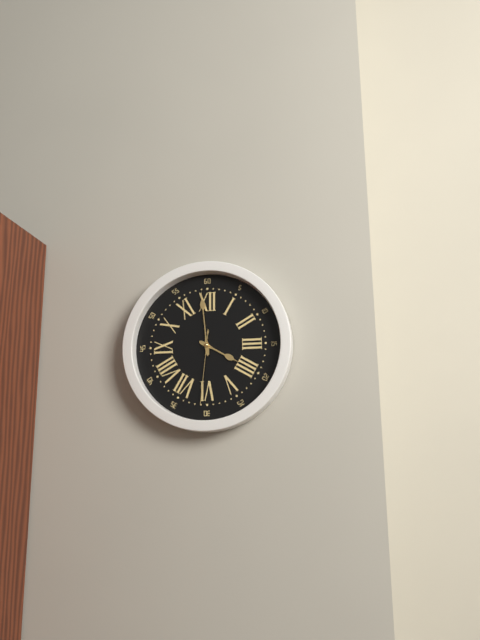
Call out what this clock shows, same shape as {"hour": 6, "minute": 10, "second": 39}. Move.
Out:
{"hour": 3, "minute": 59, "second": 31}
